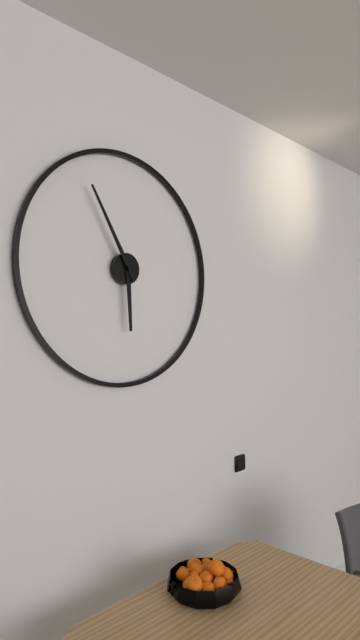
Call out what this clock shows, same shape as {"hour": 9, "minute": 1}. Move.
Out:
{"hour": 5, "minute": 55}
